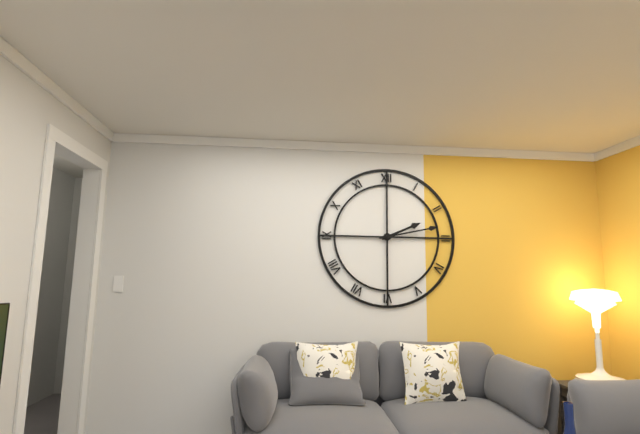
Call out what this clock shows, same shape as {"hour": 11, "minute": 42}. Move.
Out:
{"hour": 2, "minute": 13}
